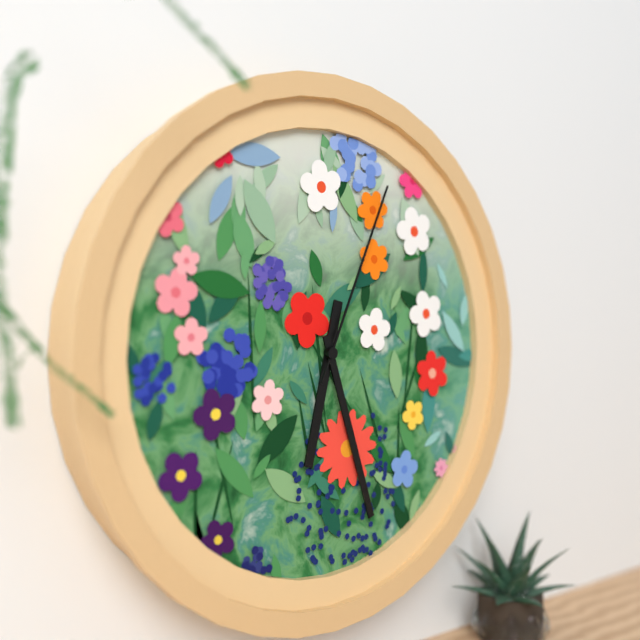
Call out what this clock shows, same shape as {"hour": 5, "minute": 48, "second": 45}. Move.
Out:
{"hour": 6, "minute": 27, "second": 4}
